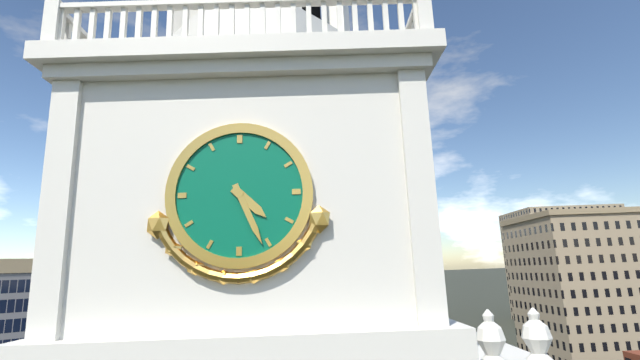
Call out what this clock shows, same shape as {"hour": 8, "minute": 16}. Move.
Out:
{"hour": 4, "minute": 26}
